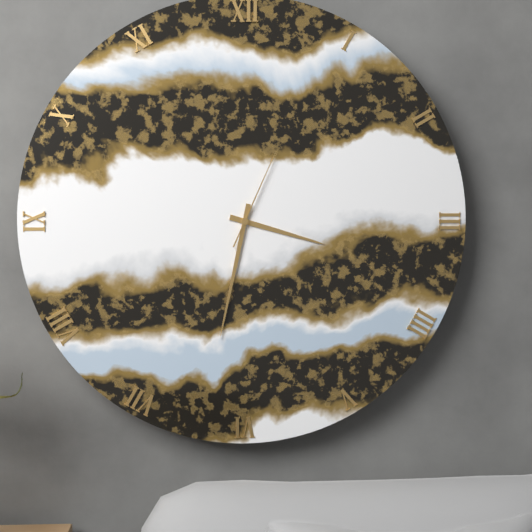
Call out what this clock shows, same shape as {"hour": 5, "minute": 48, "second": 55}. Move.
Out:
{"hour": 3, "minute": 32, "second": 4}
